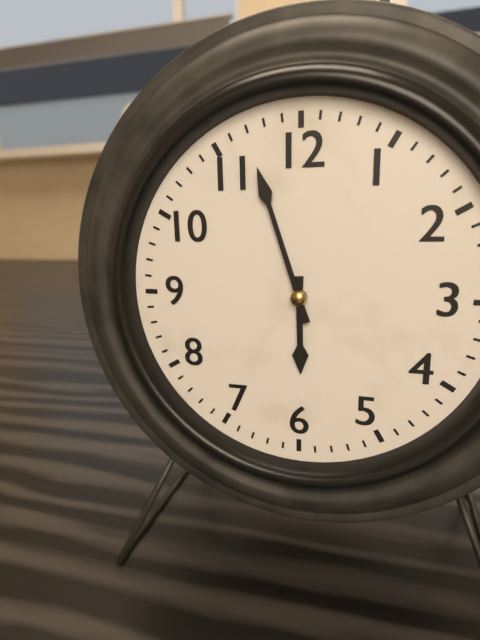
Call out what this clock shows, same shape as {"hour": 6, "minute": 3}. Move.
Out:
{"hour": 5, "minute": 57}
